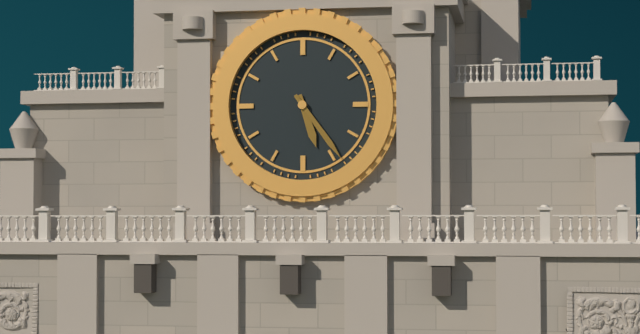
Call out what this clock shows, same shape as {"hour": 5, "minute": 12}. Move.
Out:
{"hour": 5, "minute": 24}
